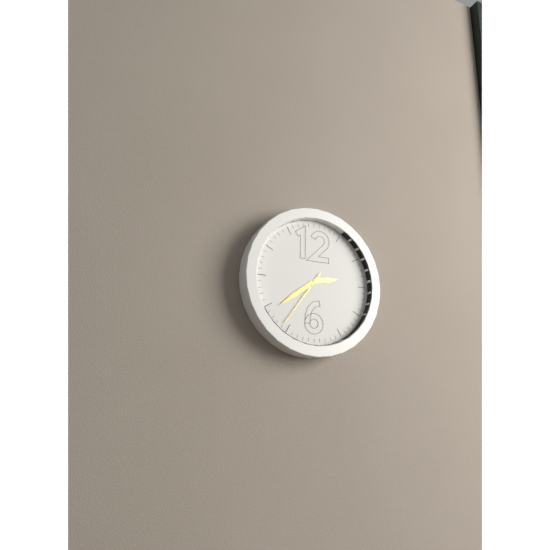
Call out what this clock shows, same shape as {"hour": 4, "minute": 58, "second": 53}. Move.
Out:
{"hour": 2, "minute": 39, "second": 36}
